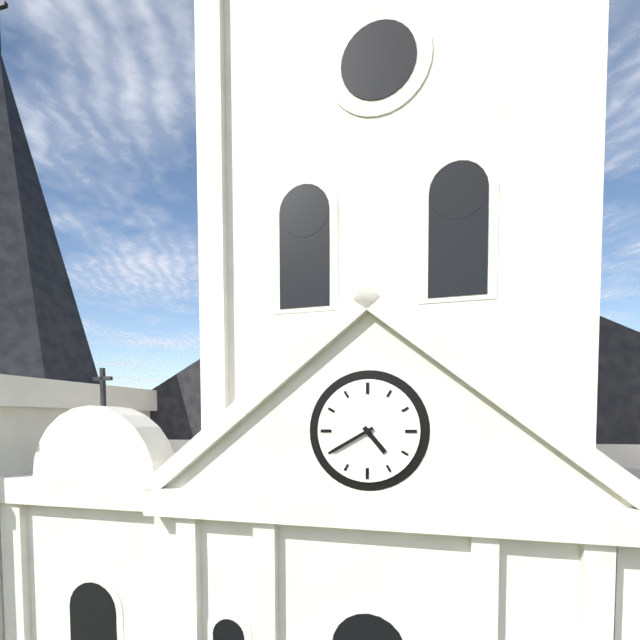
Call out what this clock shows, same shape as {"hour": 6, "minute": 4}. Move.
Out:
{"hour": 4, "minute": 40}
